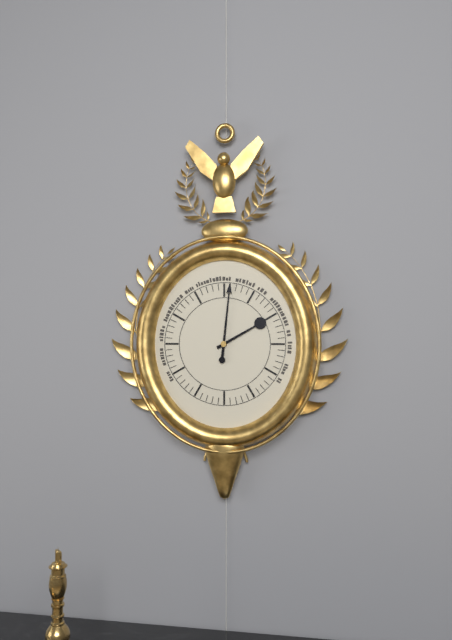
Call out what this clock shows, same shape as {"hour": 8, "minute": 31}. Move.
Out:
{"hour": 2, "minute": 1}
